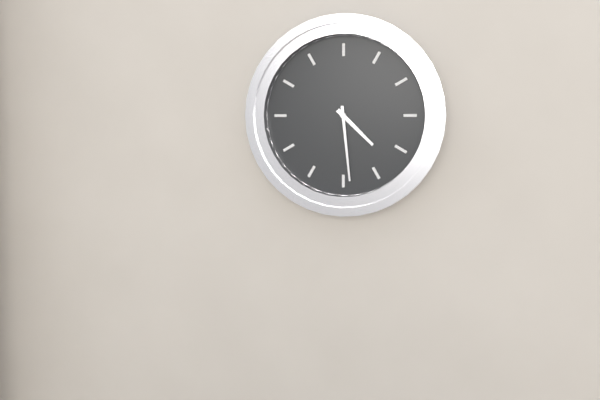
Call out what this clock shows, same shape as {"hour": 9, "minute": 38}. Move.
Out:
{"hour": 4, "minute": 29}
